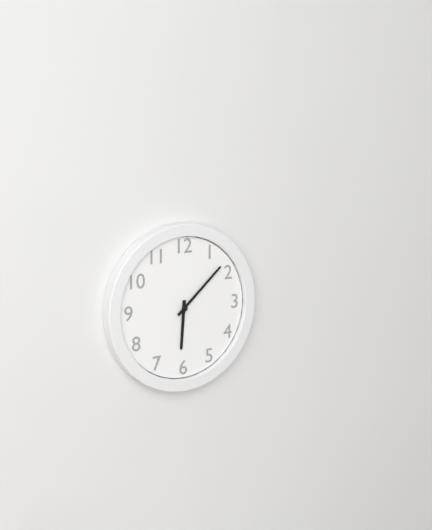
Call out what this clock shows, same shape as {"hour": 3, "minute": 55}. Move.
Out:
{"hour": 6, "minute": 8}
